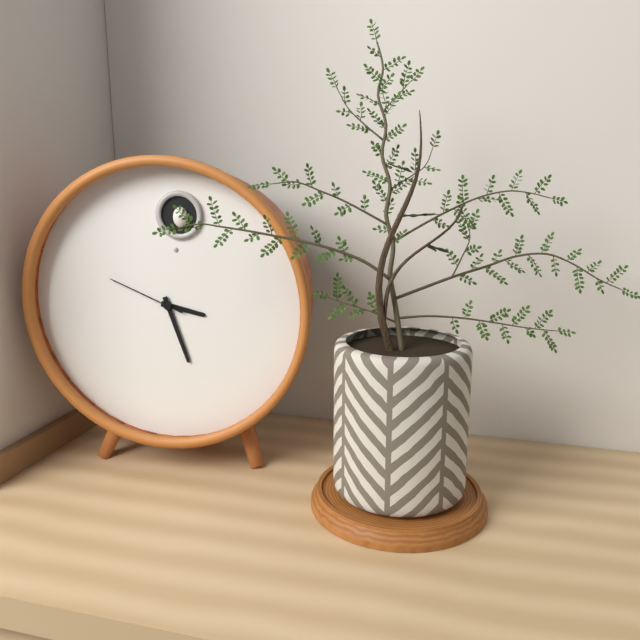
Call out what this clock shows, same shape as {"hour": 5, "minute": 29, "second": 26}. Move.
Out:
{"hour": 3, "minute": 27, "second": 49}
